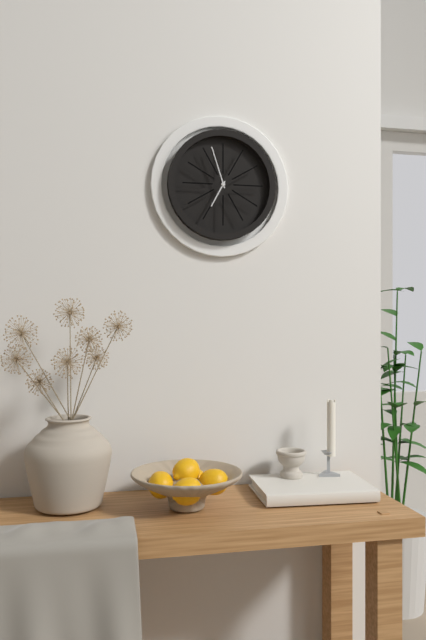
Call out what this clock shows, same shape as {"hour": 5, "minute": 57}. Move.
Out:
{"hour": 6, "minute": 57}
